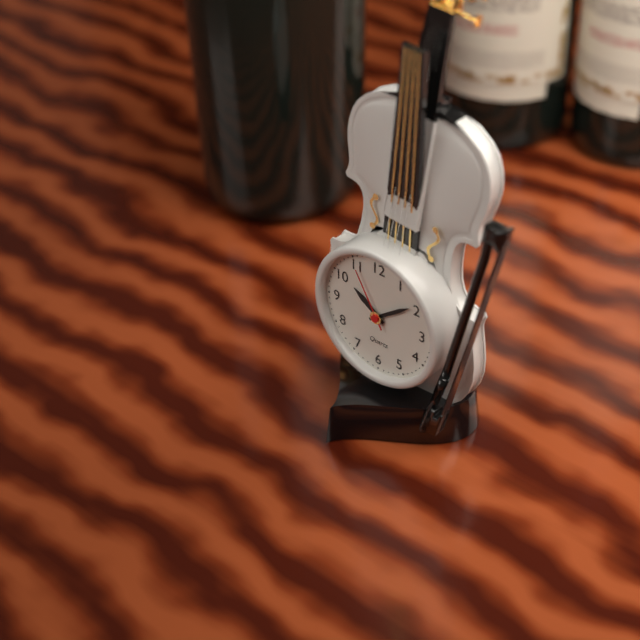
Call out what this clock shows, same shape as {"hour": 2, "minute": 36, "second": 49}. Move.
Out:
{"hour": 10, "minute": 9, "second": 55}
